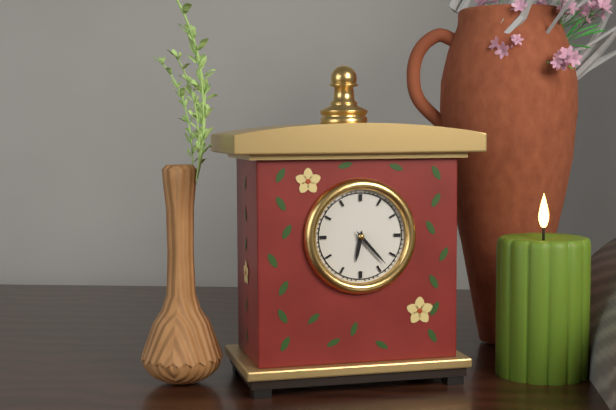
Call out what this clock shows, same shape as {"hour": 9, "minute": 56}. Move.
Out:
{"hour": 6, "minute": 23}
